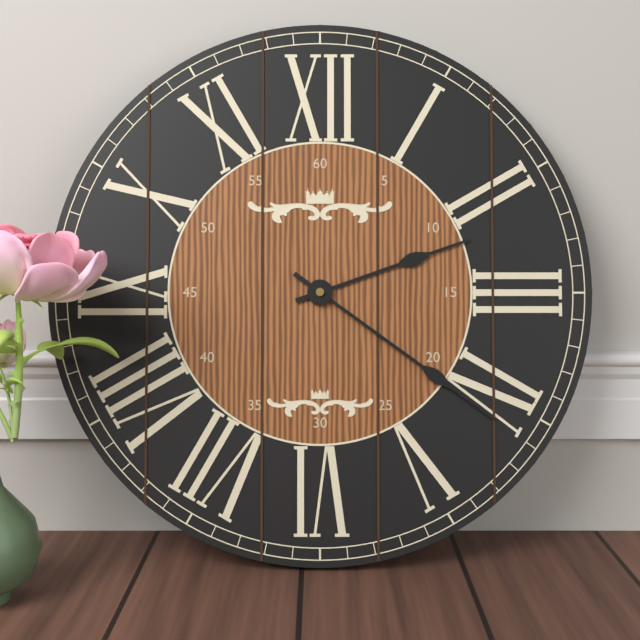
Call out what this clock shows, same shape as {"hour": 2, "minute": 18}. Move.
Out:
{"hour": 2, "minute": 21}
